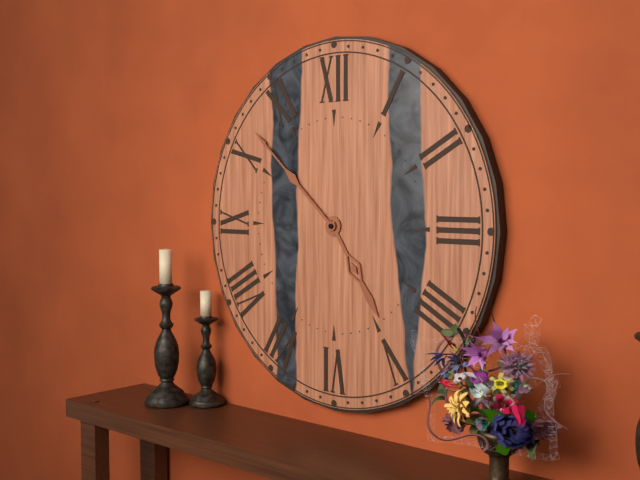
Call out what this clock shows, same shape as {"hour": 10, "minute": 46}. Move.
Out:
{"hour": 4, "minute": 52}
